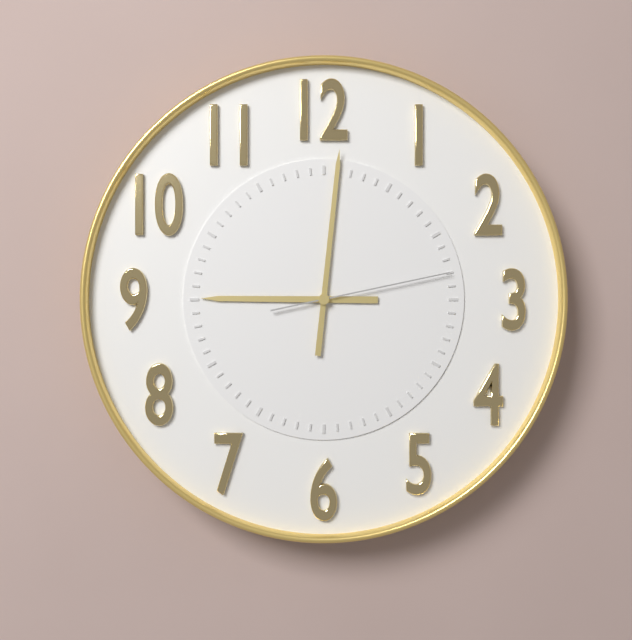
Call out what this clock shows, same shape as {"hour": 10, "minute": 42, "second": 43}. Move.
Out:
{"hour": 9, "minute": 1, "second": 13}
